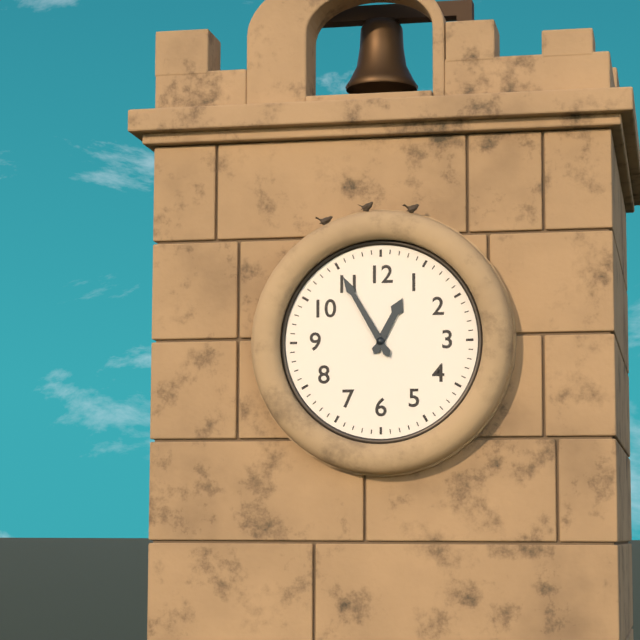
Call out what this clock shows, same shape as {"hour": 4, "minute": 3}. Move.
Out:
{"hour": 12, "minute": 55}
